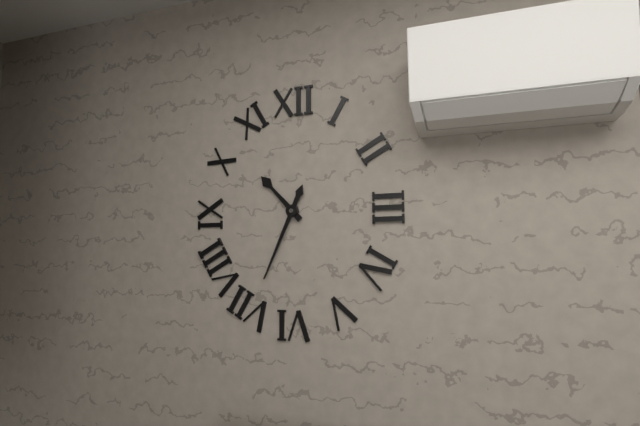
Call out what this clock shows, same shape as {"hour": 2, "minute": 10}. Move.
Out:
{"hour": 10, "minute": 34}
